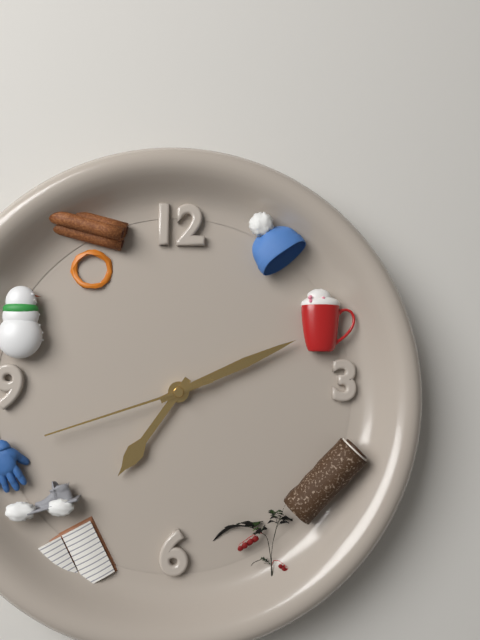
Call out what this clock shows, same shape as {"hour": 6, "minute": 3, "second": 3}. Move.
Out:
{"hour": 7, "minute": 11, "second": 42}
